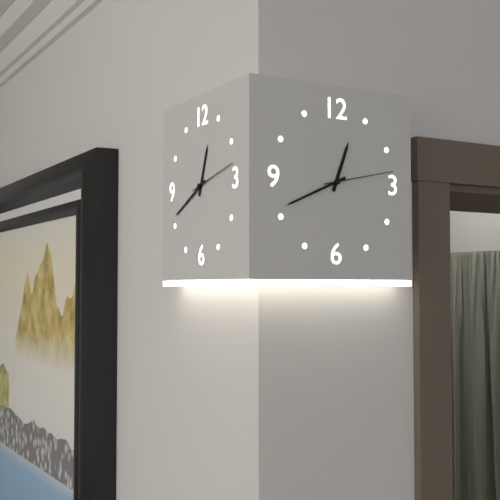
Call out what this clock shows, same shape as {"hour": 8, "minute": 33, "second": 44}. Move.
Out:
{"hour": 12, "minute": 41, "second": 13}
